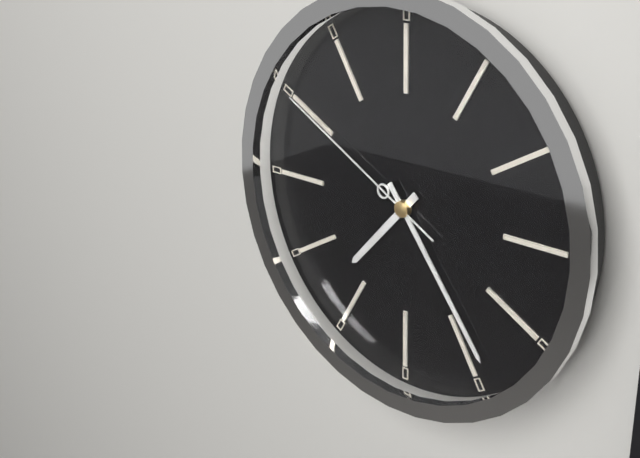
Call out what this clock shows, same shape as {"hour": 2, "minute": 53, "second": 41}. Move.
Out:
{"hour": 7, "minute": 24, "second": 50}
